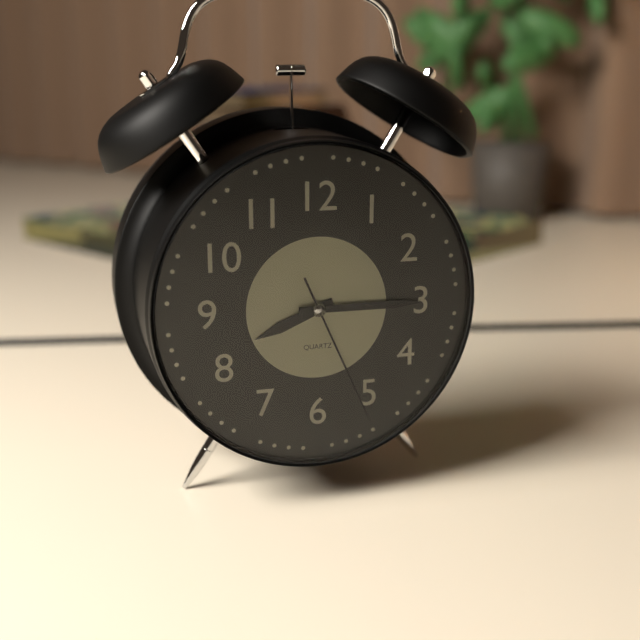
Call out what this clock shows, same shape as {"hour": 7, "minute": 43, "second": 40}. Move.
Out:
{"hour": 8, "minute": 15, "second": 26}
